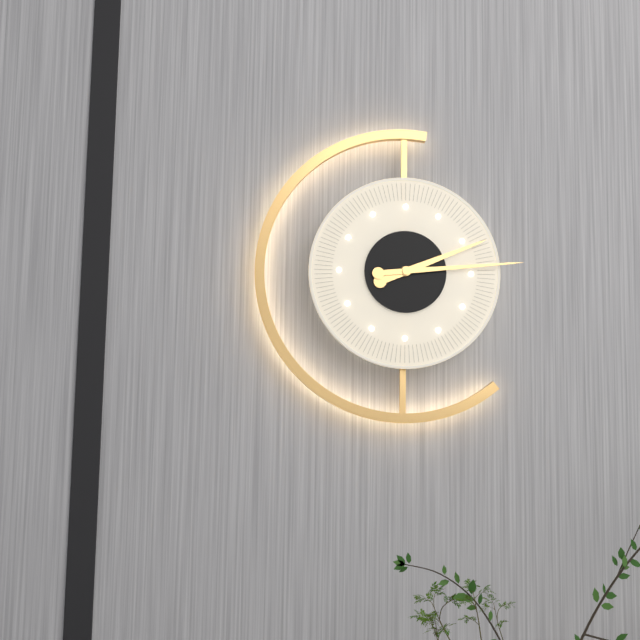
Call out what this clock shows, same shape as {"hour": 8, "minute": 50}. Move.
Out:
{"hour": 2, "minute": 14}
